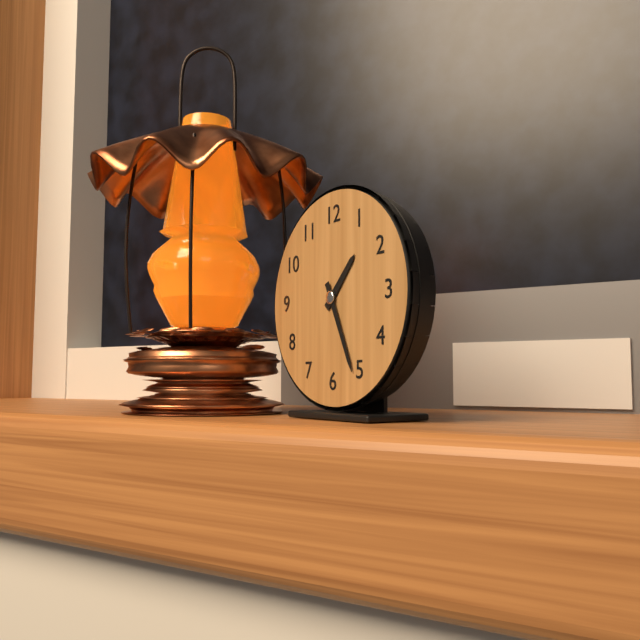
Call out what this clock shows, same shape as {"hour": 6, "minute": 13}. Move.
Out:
{"hour": 1, "minute": 26}
